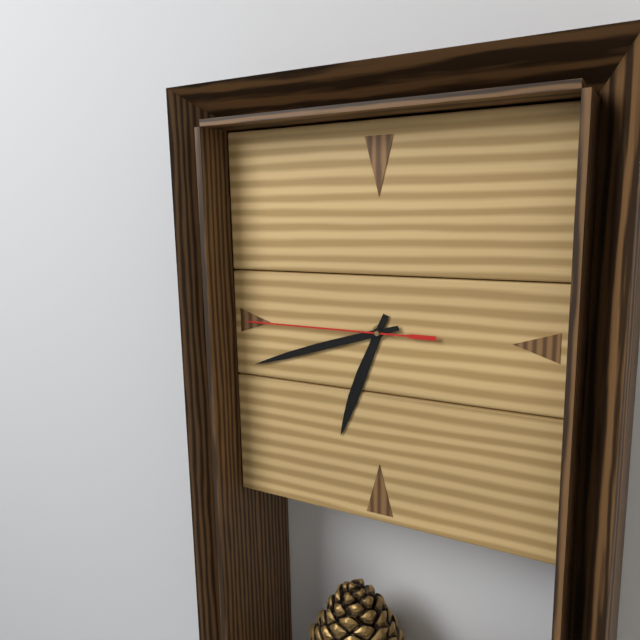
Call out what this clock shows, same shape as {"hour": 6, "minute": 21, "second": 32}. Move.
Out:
{"hour": 6, "minute": 42, "second": 45}
